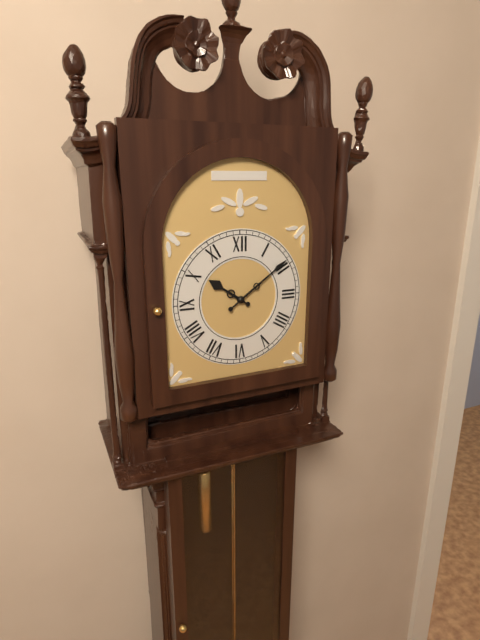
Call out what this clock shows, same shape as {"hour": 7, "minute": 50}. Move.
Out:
{"hour": 10, "minute": 9}
